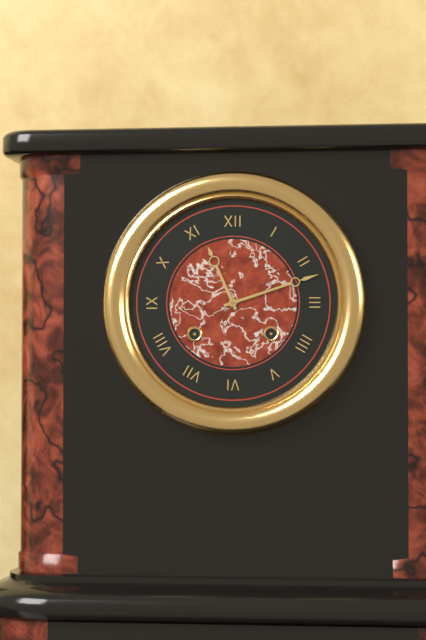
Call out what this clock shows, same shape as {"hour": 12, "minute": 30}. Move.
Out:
{"hour": 11, "minute": 12}
